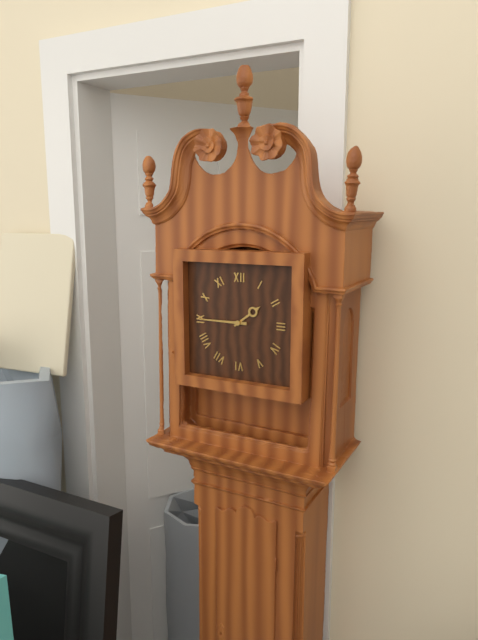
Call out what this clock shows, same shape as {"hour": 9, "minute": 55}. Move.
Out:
{"hour": 1, "minute": 45}
